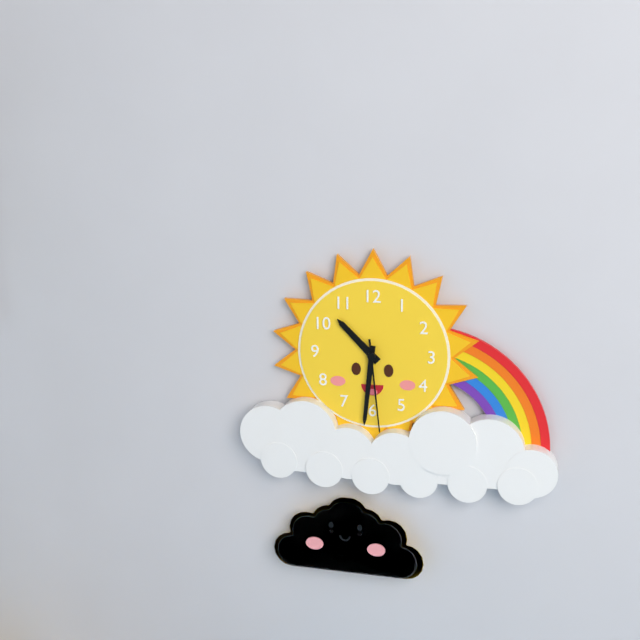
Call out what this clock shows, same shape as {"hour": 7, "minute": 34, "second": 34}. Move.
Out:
{"hour": 10, "minute": 31, "second": 29}
